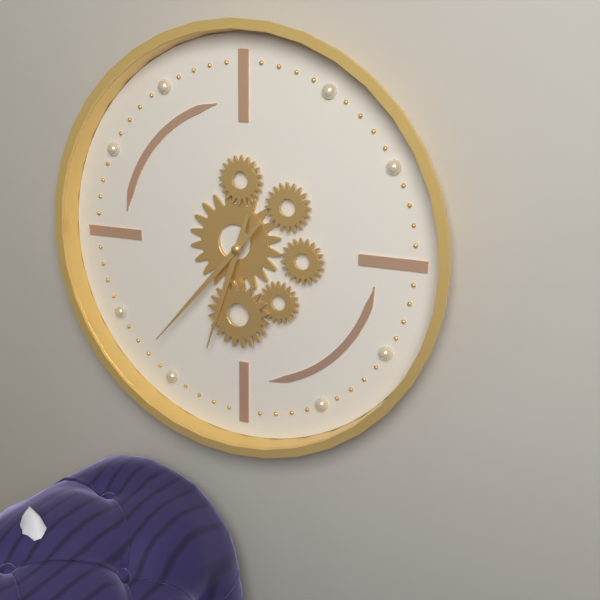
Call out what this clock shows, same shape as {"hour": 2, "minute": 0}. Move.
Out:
{"hour": 6, "minute": 37}
